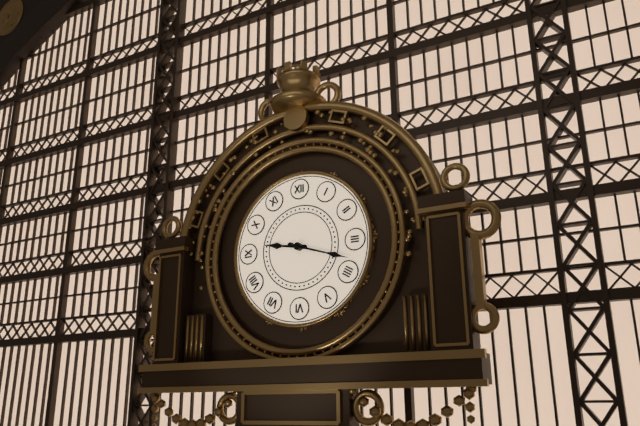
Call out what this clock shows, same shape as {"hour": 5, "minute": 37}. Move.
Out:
{"hour": 9, "minute": 18}
